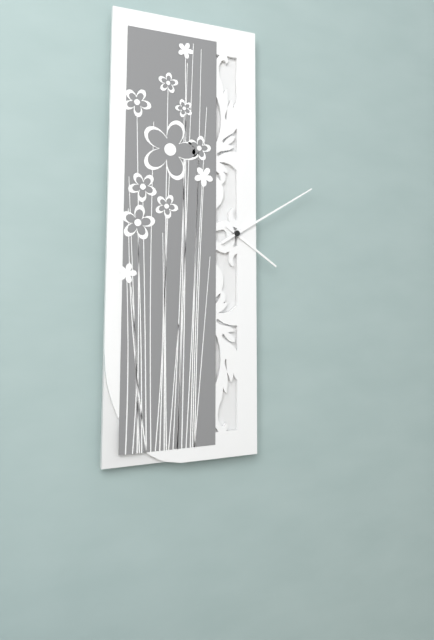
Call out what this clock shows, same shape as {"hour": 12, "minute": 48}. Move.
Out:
{"hour": 4, "minute": 10}
